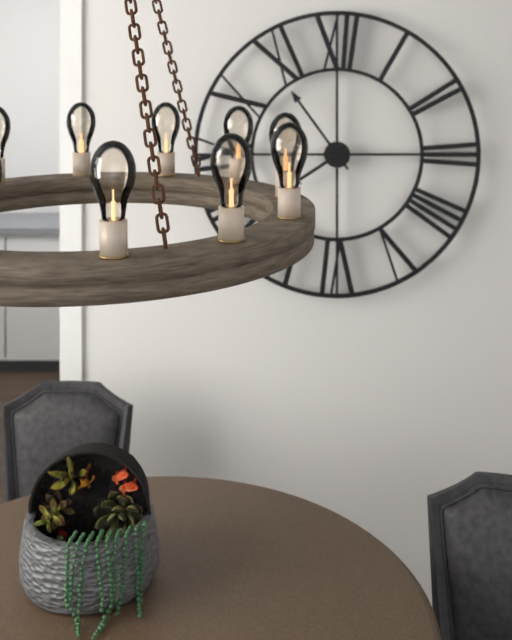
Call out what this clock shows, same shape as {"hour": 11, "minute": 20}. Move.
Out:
{"hour": 7, "minute": 54}
